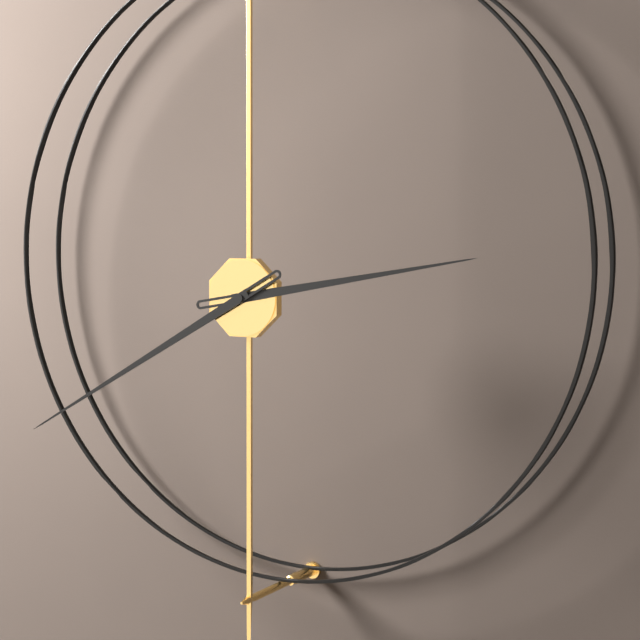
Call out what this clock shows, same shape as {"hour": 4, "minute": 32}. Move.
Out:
{"hour": 2, "minute": 40}
